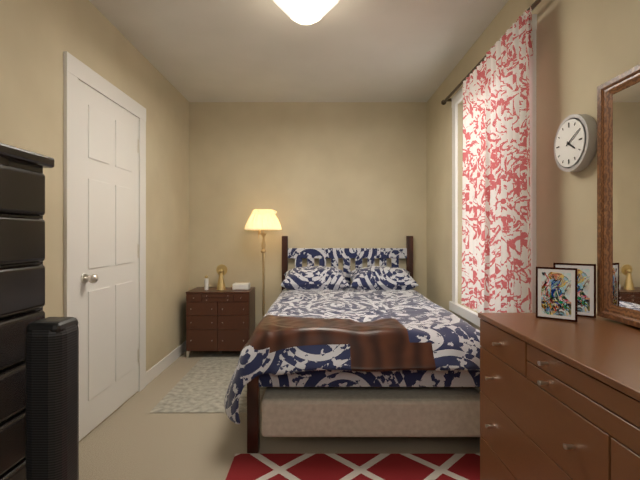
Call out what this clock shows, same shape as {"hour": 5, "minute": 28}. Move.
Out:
{"hour": 4, "minute": 10}
